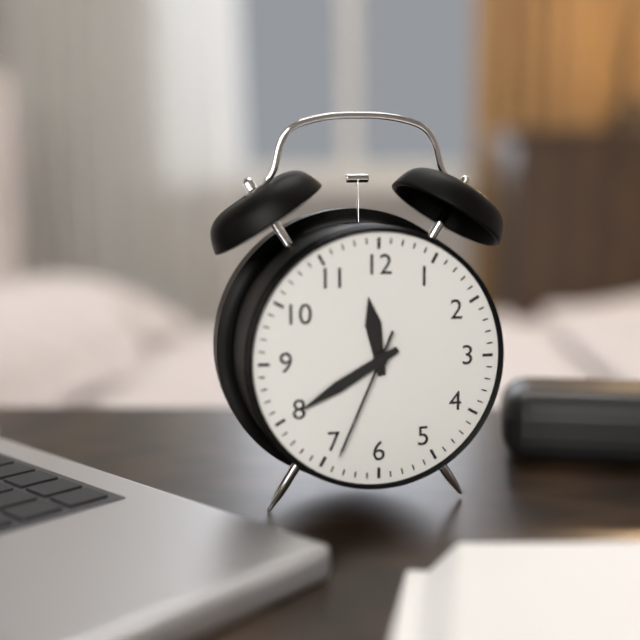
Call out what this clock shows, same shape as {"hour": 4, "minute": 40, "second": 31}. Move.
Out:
{"hour": 11, "minute": 40, "second": 34}
